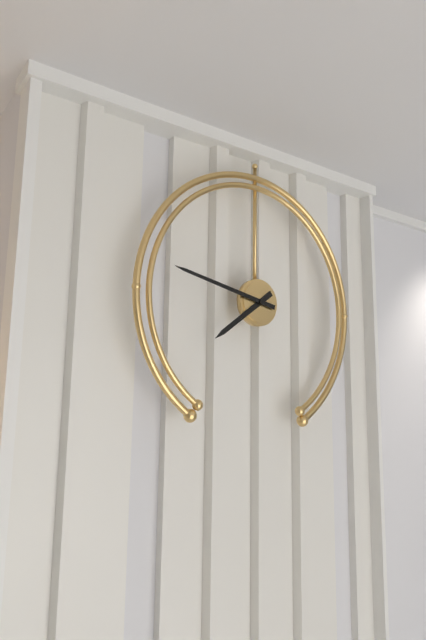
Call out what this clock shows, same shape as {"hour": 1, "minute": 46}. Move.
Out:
{"hour": 7, "minute": 47}
